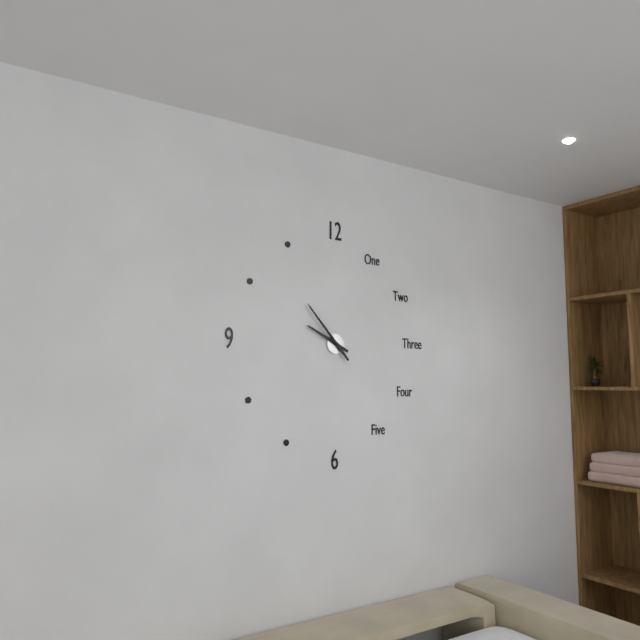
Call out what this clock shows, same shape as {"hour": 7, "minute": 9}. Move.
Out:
{"hour": 9, "minute": 53}
